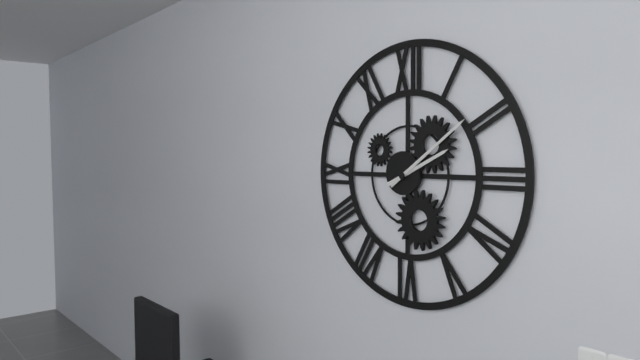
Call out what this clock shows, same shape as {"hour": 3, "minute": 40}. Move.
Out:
{"hour": 2, "minute": 9}
